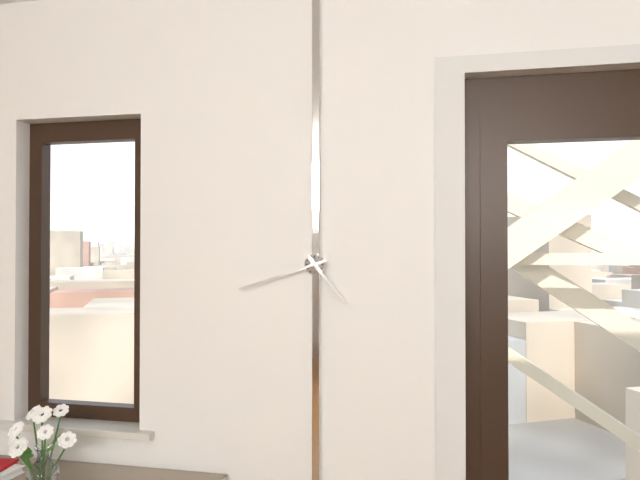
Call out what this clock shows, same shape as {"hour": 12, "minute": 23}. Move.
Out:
{"hour": 4, "minute": 42}
